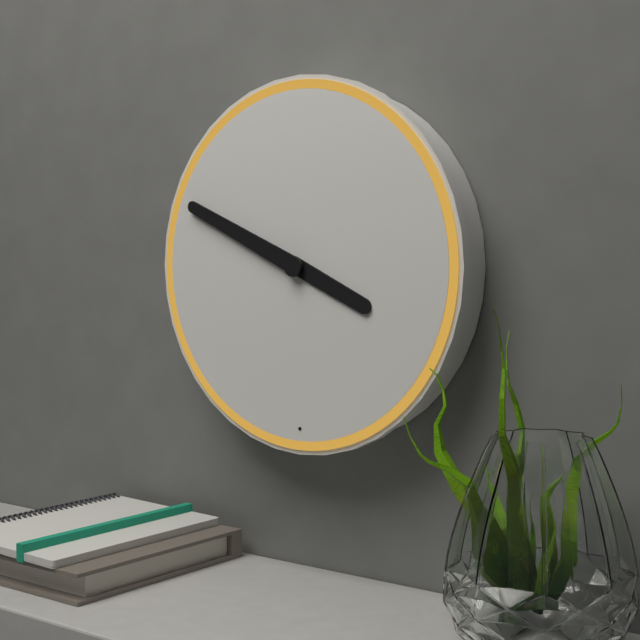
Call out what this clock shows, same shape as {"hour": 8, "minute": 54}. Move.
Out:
{"hour": 3, "minute": 49}
